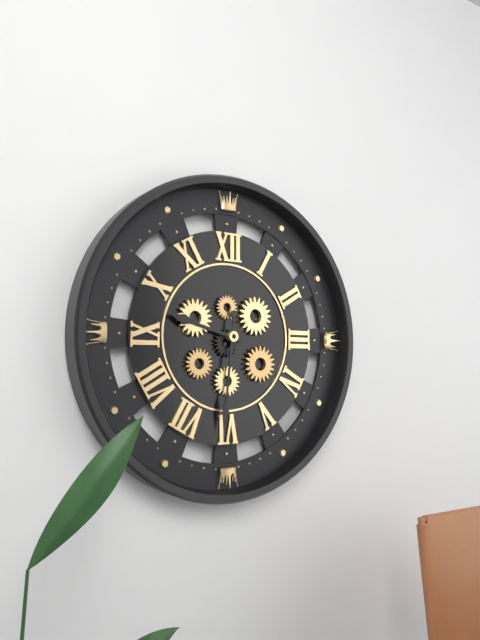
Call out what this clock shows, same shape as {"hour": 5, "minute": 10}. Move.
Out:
{"hour": 9, "minute": 31}
